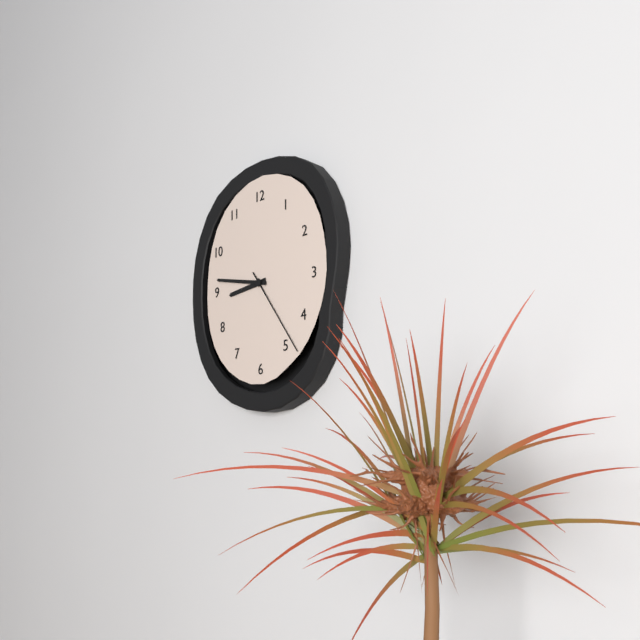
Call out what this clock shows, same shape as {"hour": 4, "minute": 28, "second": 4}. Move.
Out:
{"hour": 8, "minute": 47, "second": 24}
